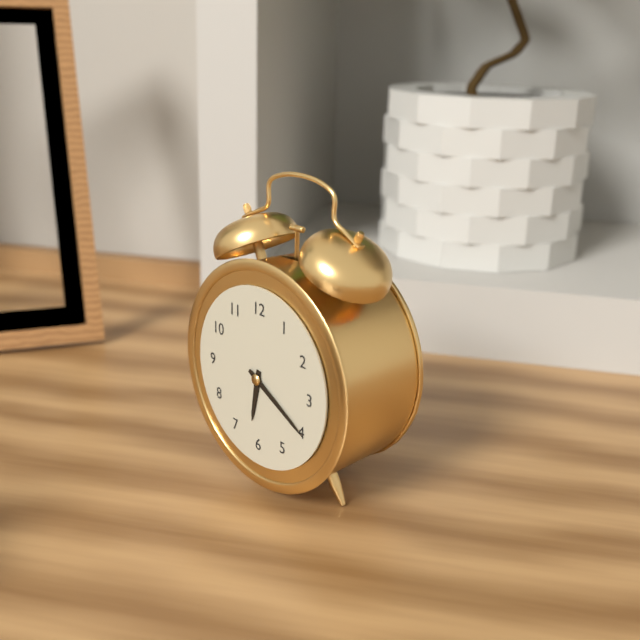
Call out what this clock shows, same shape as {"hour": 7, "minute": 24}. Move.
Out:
{"hour": 6, "minute": 20}
